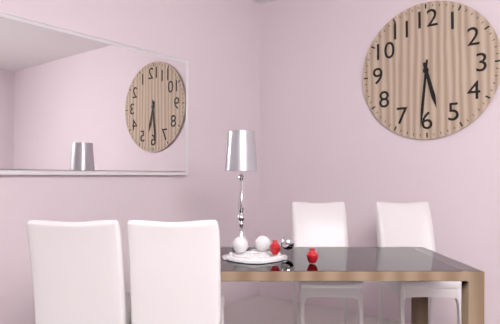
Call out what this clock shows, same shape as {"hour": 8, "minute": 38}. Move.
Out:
{"hour": 5, "minute": 31}
